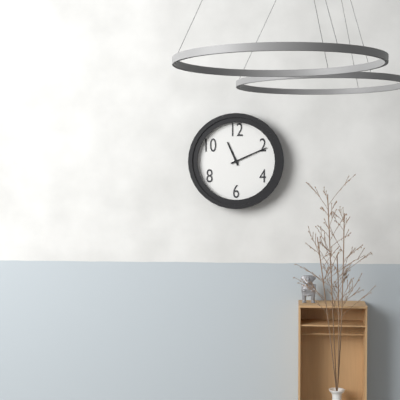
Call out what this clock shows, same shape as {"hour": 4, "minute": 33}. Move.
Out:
{"hour": 11, "minute": 11}
